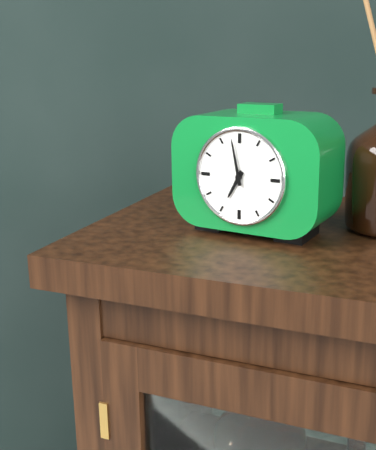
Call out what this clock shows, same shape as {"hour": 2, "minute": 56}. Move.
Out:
{"hour": 6, "minute": 58}
